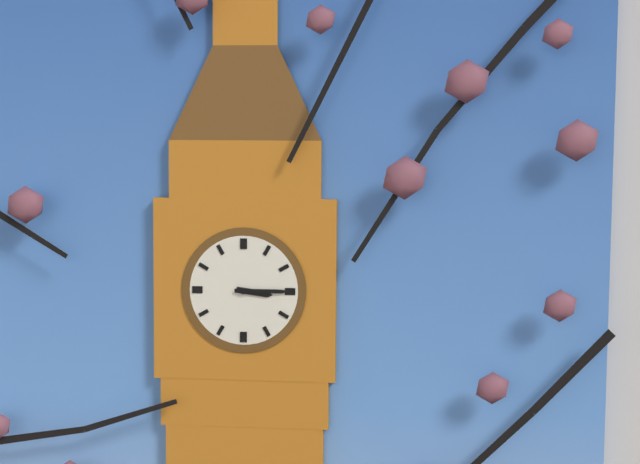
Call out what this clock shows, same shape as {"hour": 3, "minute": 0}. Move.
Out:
{"hour": 3, "minute": 15}
